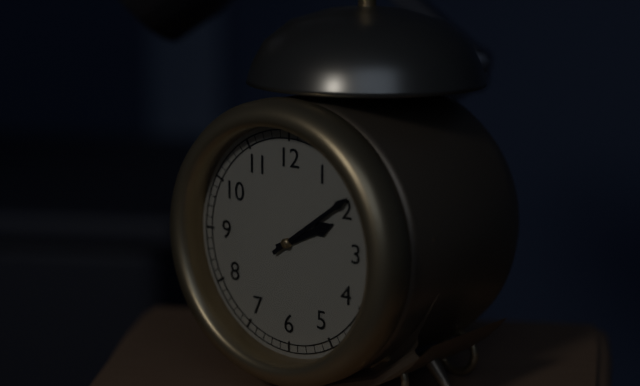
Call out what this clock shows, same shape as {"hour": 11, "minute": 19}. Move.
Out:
{"hour": 2, "minute": 9}
